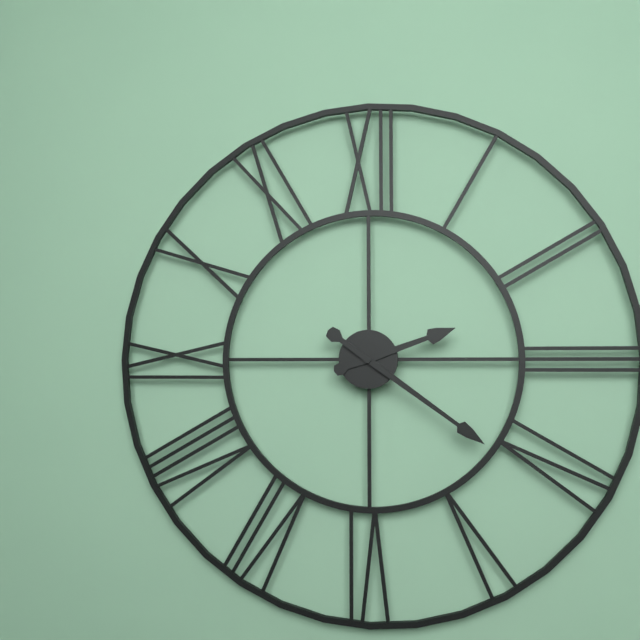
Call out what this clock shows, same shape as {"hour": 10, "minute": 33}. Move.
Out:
{"hour": 2, "minute": 21}
